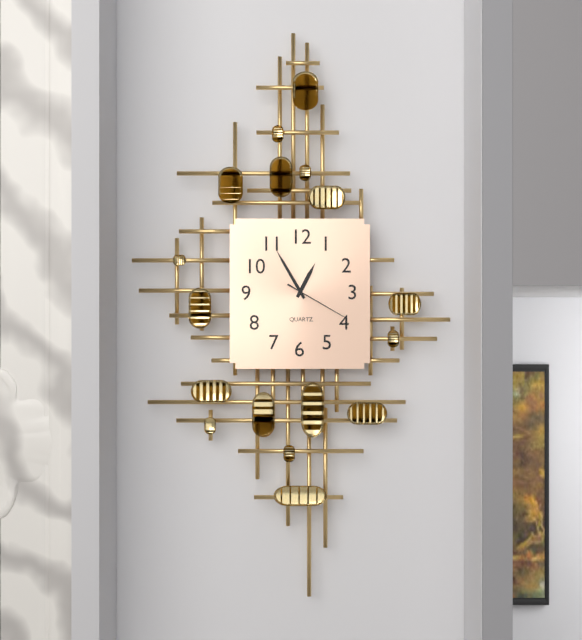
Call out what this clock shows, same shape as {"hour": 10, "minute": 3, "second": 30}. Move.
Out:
{"hour": 12, "minute": 55, "second": 20}
